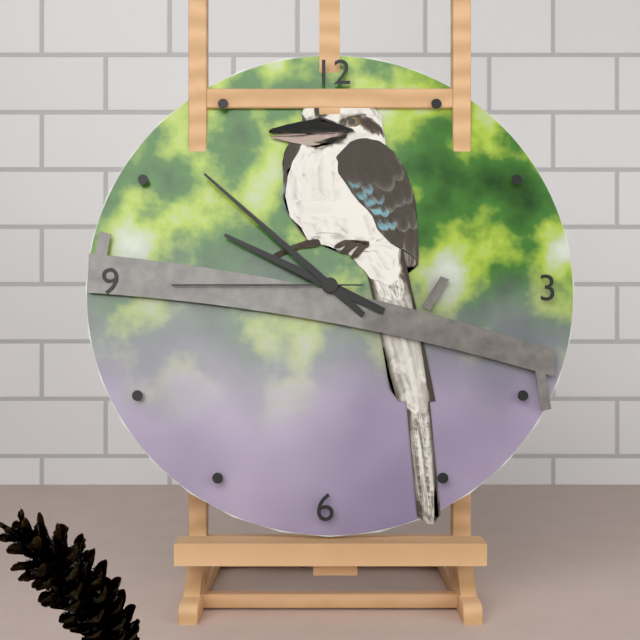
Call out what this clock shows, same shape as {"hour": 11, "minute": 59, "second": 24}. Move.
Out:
{"hour": 9, "minute": 52, "second": 45}
